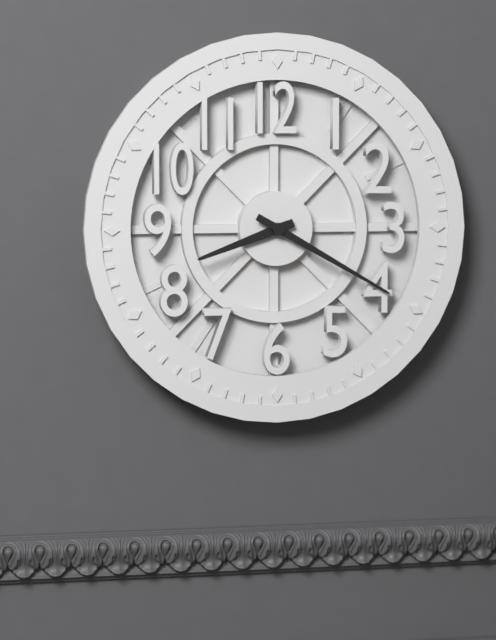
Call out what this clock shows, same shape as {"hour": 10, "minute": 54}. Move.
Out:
{"hour": 8, "minute": 20}
